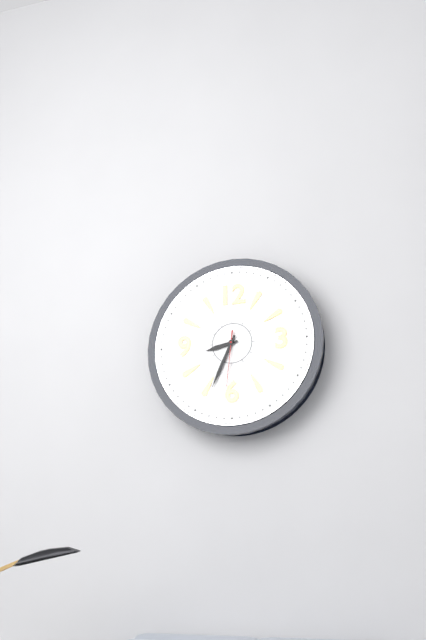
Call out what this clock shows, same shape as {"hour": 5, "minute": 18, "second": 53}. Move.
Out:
{"hour": 8, "minute": 34, "second": 31}
